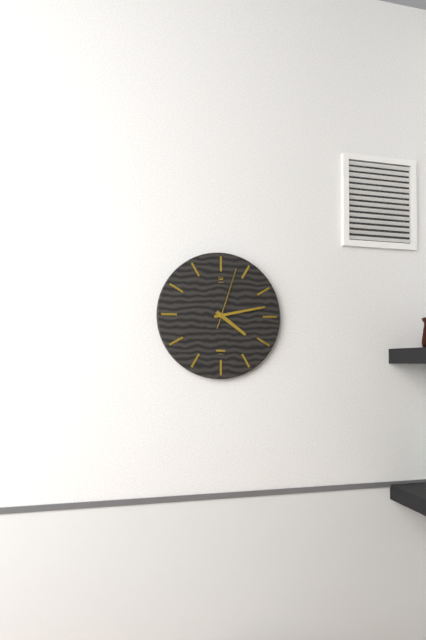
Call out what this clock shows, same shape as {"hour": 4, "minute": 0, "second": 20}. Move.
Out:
{"hour": 4, "minute": 13, "second": 3}
